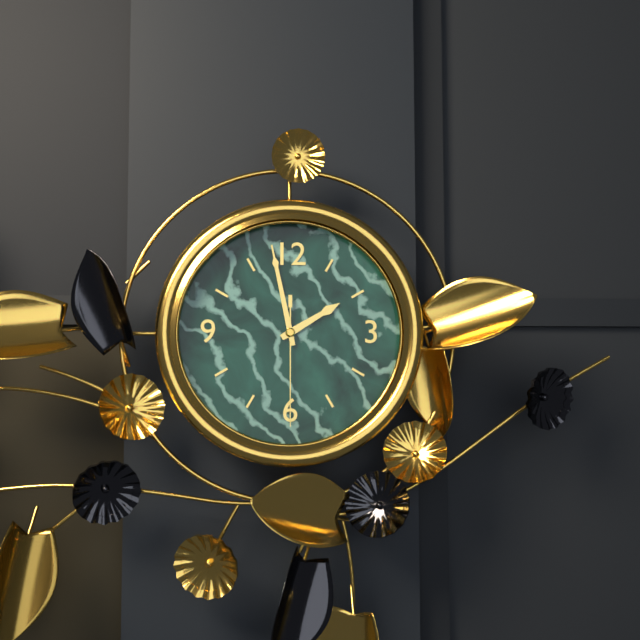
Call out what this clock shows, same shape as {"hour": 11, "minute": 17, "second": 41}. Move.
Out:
{"hour": 1, "minute": 58, "second": 30}
